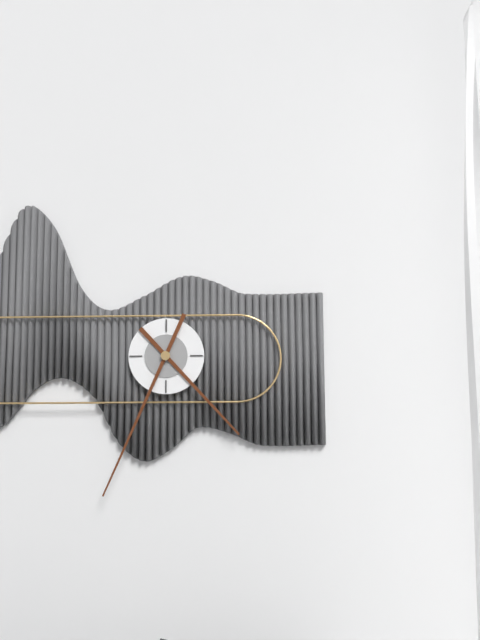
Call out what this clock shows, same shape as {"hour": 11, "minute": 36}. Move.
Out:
{"hour": 4, "minute": 34}
